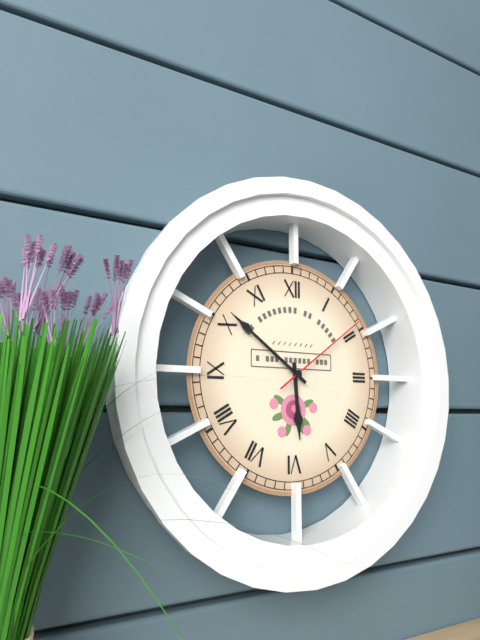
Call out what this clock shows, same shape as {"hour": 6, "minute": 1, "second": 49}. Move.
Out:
{"hour": 5, "minute": 51, "second": 9}
